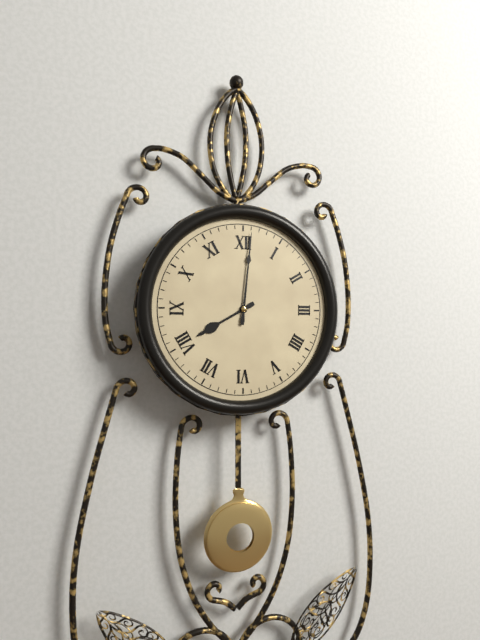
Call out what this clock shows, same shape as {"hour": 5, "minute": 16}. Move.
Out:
{"hour": 8, "minute": 1}
